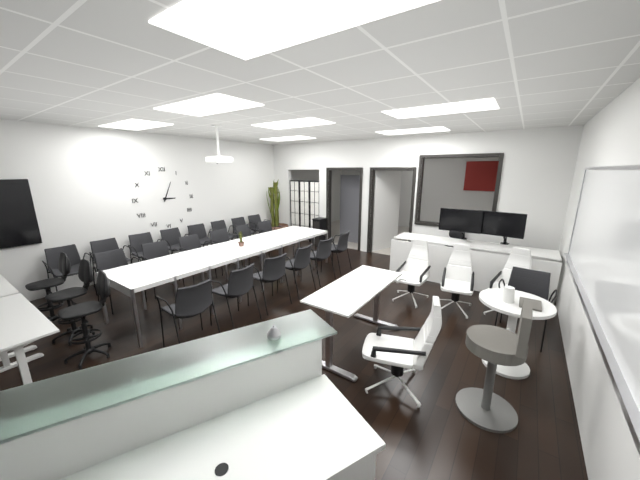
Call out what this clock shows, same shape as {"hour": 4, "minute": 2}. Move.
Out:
{"hour": 3, "minute": 4}
